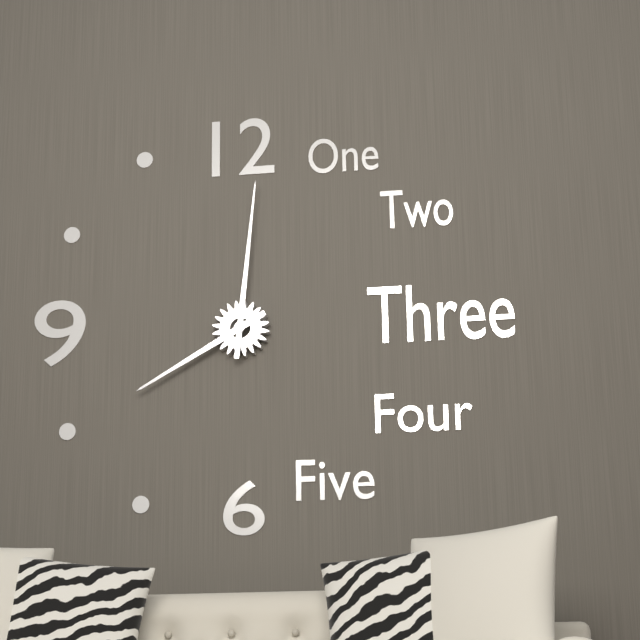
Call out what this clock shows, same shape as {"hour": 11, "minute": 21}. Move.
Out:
{"hour": 8, "minute": 1}
